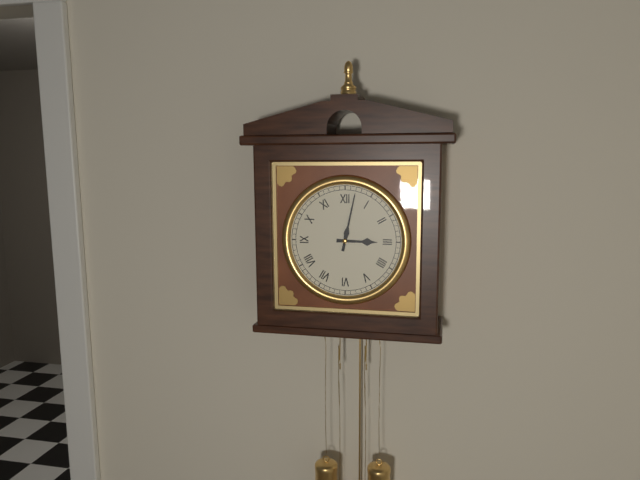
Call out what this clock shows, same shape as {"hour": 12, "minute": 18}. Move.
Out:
{"hour": 3, "minute": 2}
